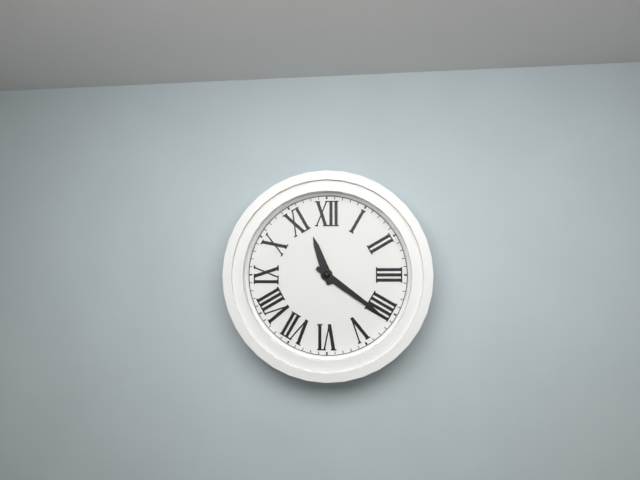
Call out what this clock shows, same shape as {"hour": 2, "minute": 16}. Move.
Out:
{"hour": 11, "minute": 21}
